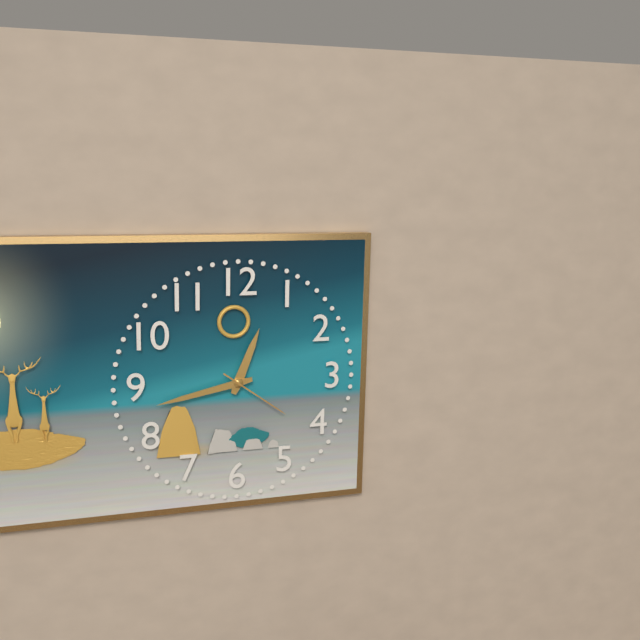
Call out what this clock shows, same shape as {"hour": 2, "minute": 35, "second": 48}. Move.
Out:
{"hour": 12, "minute": 43, "second": 21}
